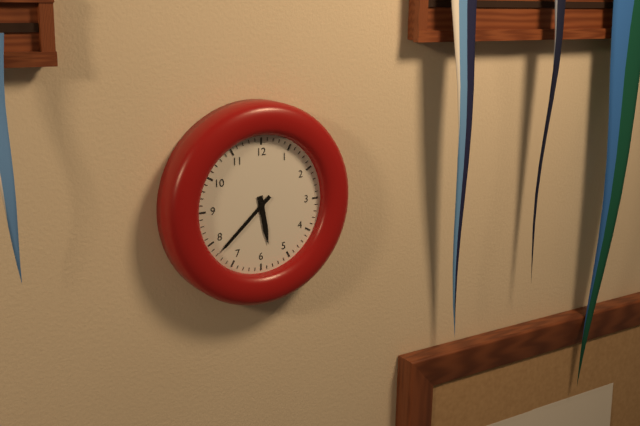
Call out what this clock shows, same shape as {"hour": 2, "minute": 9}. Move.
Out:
{"hour": 5, "minute": 38}
